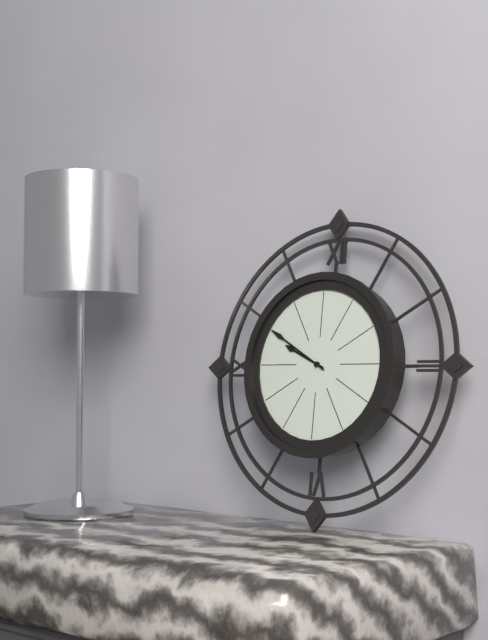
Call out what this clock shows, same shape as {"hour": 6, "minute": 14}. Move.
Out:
{"hour": 9, "minute": 50}
